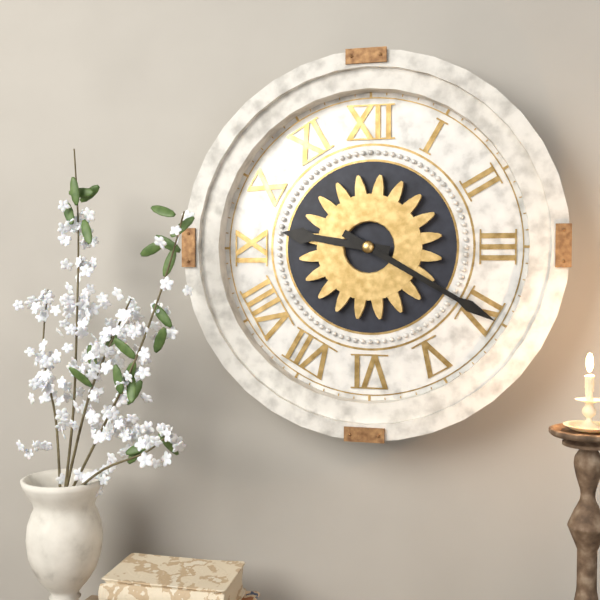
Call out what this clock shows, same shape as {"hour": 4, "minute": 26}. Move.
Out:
{"hour": 9, "minute": 20}
